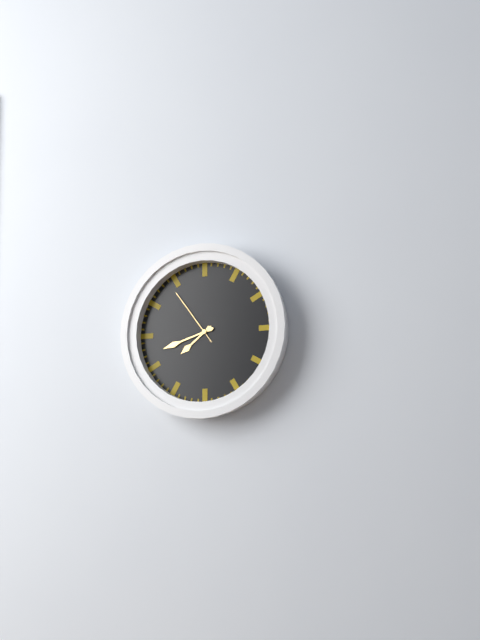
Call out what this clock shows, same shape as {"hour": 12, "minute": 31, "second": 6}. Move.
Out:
{"hour": 7, "minute": 42, "second": 54}
